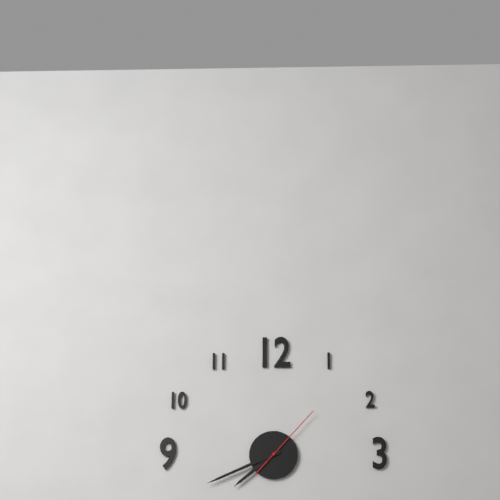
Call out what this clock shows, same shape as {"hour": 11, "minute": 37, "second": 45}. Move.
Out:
{"hour": 7, "minute": 41, "second": 7}
